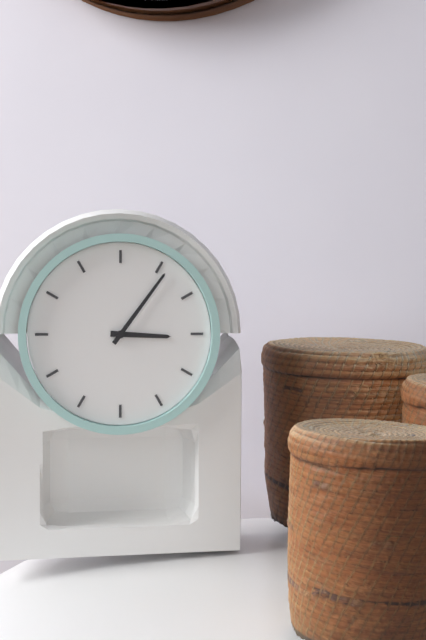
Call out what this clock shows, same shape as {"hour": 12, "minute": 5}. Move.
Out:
{"hour": 3, "minute": 6}
